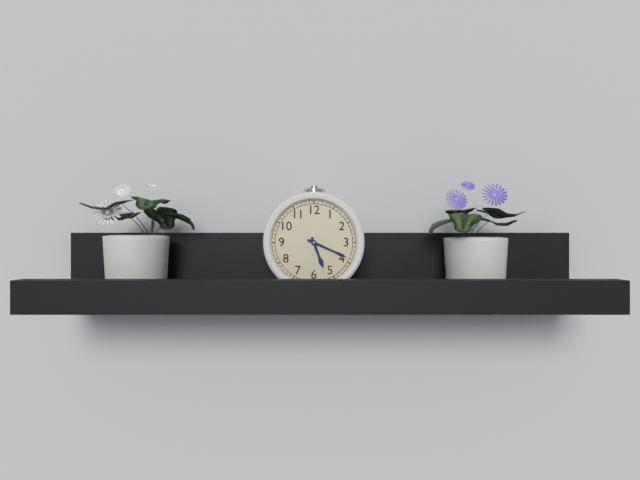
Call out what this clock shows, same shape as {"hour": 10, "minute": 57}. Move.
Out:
{"hour": 5, "minute": 19}
